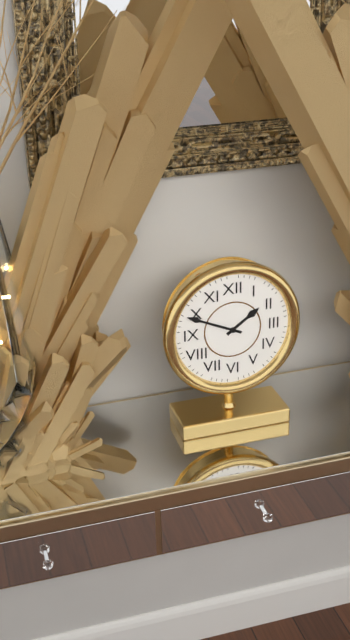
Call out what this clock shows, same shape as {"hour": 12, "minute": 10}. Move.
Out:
{"hour": 1, "minute": 49}
